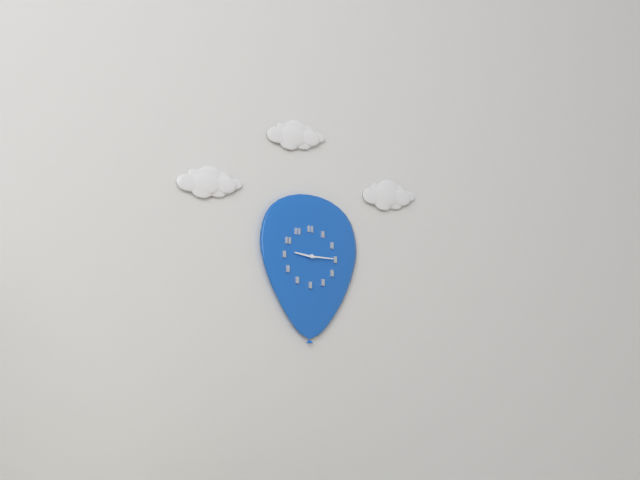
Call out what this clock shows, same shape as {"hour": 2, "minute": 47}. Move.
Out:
{"hour": 9, "minute": 15}
